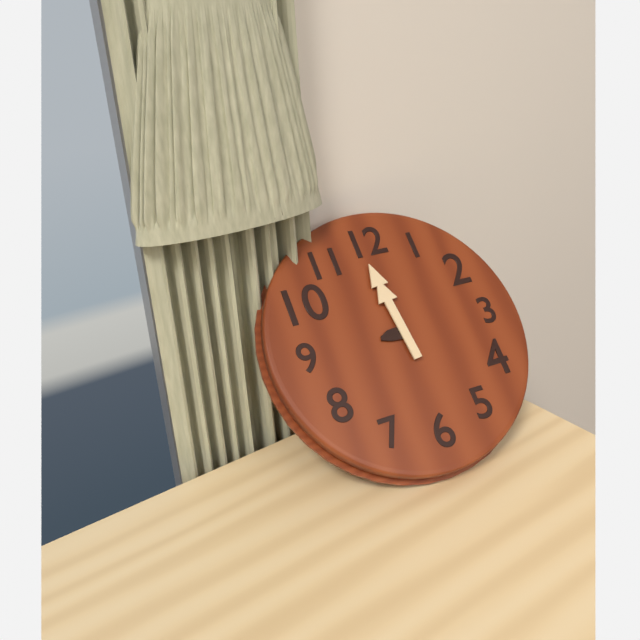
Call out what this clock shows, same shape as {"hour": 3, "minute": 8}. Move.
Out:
{"hour": 8, "minute": 59}
